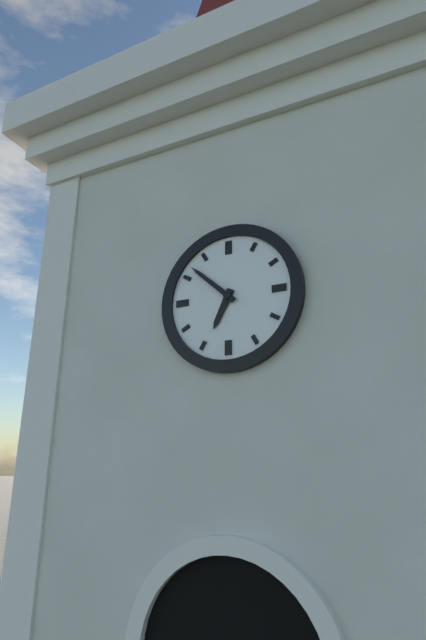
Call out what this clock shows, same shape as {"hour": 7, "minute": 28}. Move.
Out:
{"hour": 6, "minute": 52}
